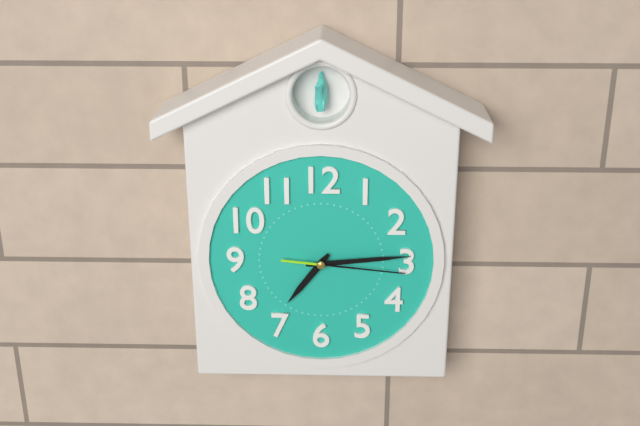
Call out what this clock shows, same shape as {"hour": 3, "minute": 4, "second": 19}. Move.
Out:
{"hour": 7, "minute": 14, "second": 16}
